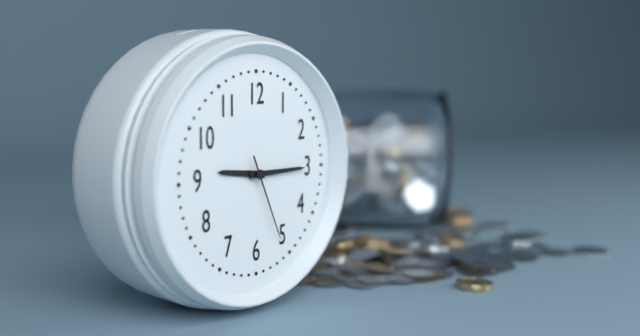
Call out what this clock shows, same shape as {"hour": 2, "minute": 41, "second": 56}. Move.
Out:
{"hour": 9, "minute": 15, "second": 26}
